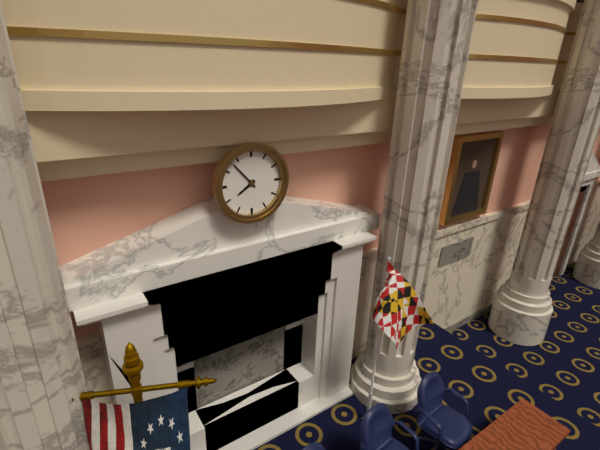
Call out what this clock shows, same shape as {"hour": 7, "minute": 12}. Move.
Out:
{"hour": 7, "minute": 53}
